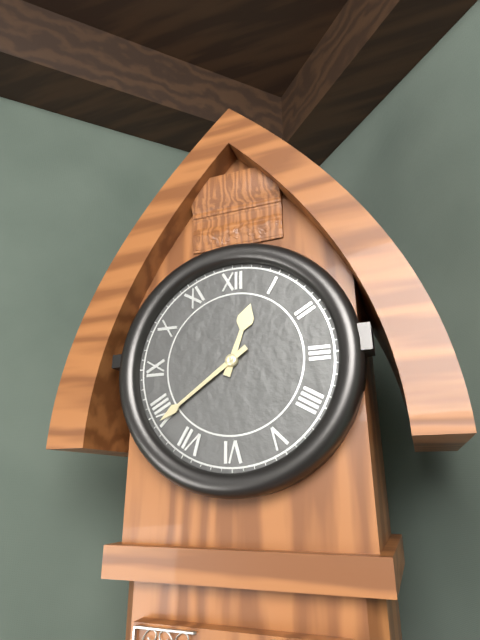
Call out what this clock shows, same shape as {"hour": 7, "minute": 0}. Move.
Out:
{"hour": 12, "minute": 39}
